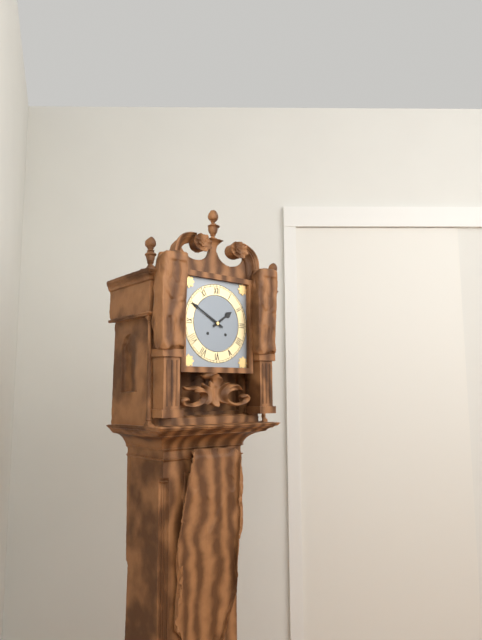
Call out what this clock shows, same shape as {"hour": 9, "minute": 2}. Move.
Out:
{"hour": 1, "minute": 50}
